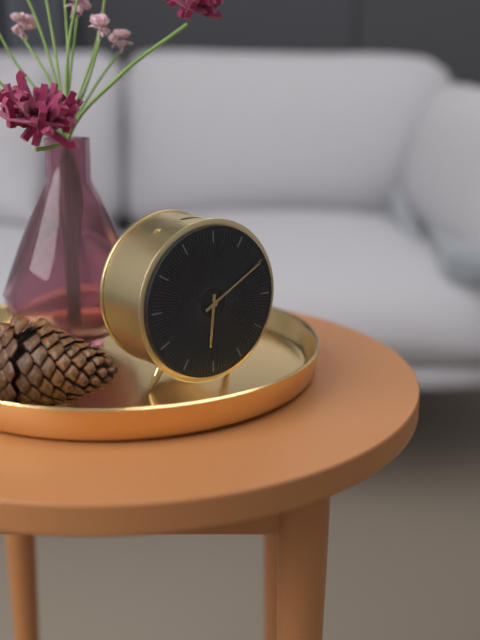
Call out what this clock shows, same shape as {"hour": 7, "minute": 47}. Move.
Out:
{"hour": 6, "minute": 10}
